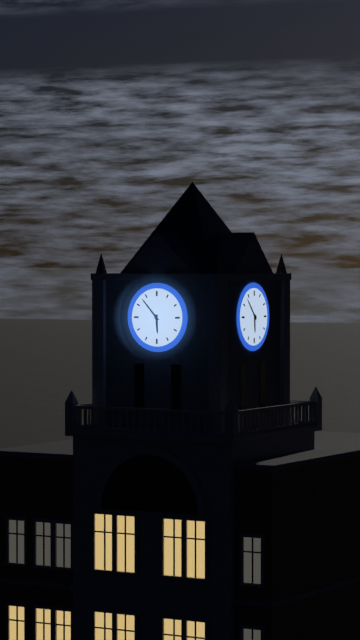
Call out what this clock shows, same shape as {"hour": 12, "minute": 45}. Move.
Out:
{"hour": 5, "minute": 53}
